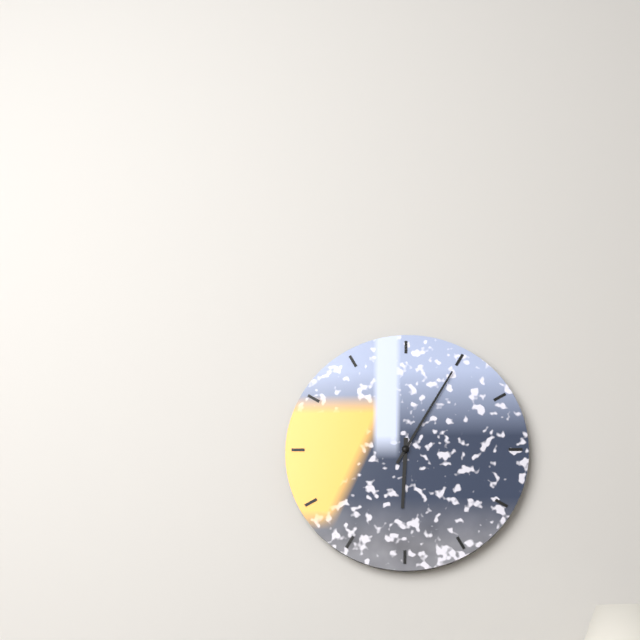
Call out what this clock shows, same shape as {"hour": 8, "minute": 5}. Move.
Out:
{"hour": 6, "minute": 5}
